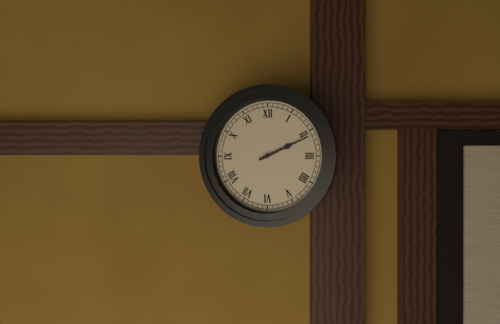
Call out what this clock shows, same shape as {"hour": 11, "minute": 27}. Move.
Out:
{"hour": 2, "minute": 11}
